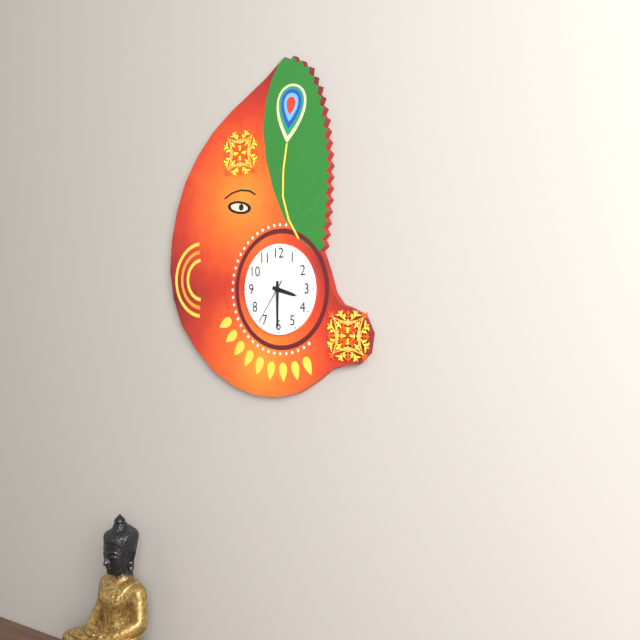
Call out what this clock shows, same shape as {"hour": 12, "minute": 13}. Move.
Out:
{"hour": 3, "minute": 30}
